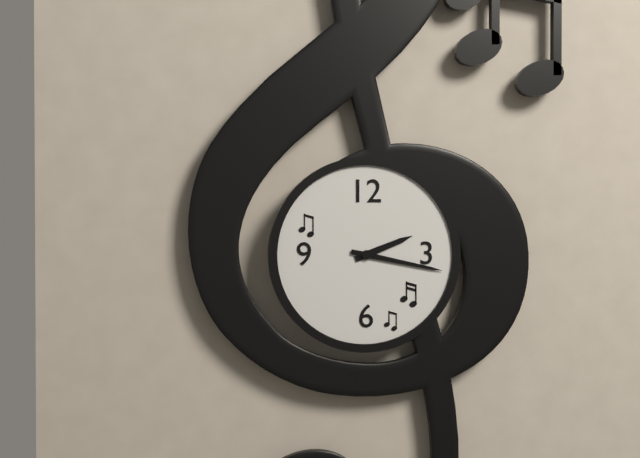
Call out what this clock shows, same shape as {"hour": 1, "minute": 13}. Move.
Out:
{"hour": 2, "minute": 17}
